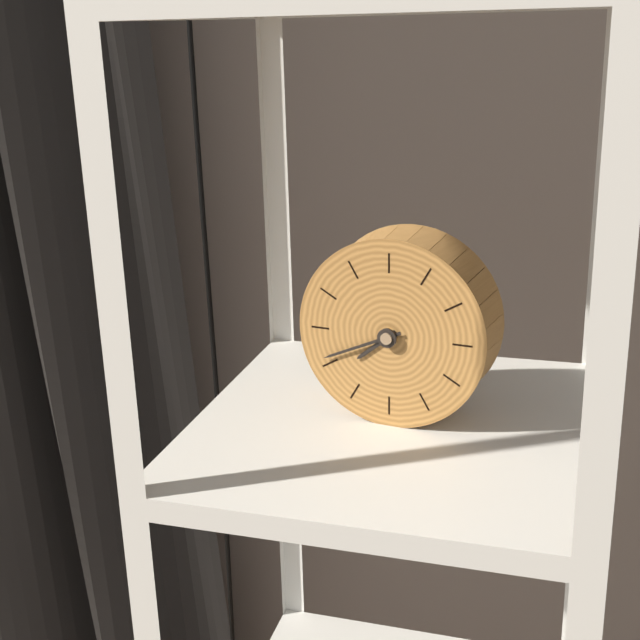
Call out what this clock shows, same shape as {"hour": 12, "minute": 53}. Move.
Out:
{"hour": 7, "minute": 41}
